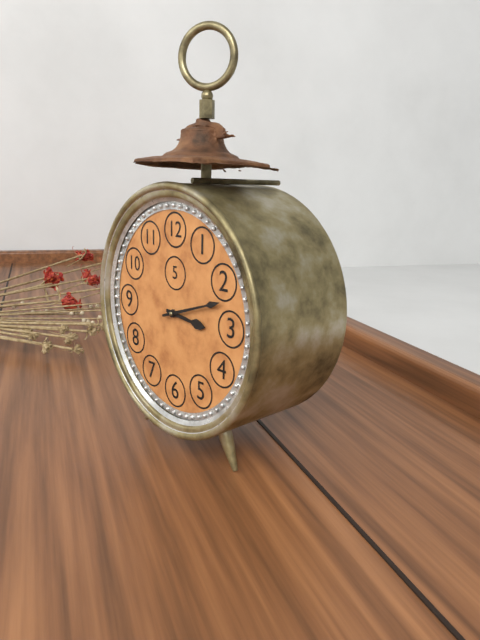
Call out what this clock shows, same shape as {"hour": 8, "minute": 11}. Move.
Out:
{"hour": 3, "minute": 12}
